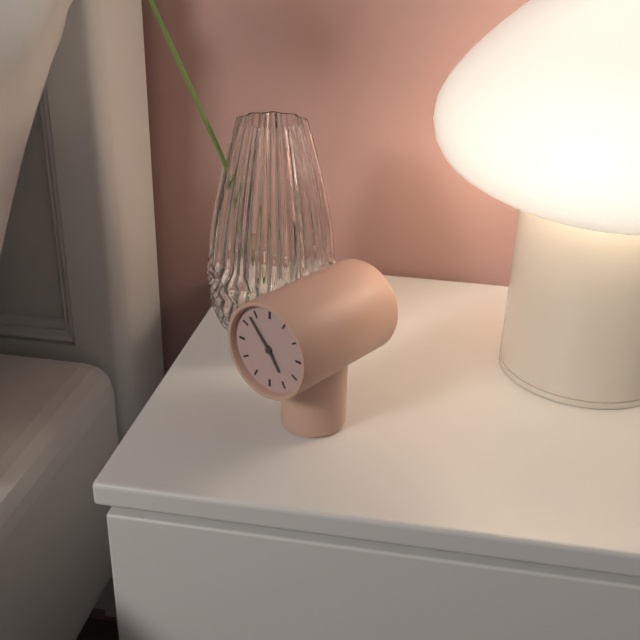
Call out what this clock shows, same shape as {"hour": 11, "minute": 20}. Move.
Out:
{"hour": 4, "minute": 53}
